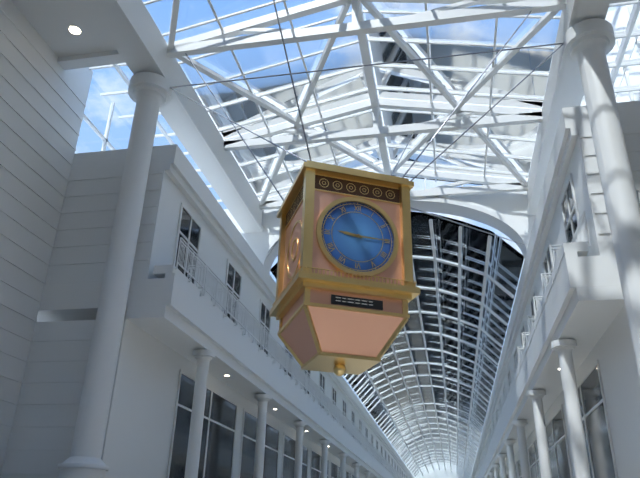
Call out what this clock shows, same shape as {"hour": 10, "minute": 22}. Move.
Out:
{"hour": 9, "minute": 15}
